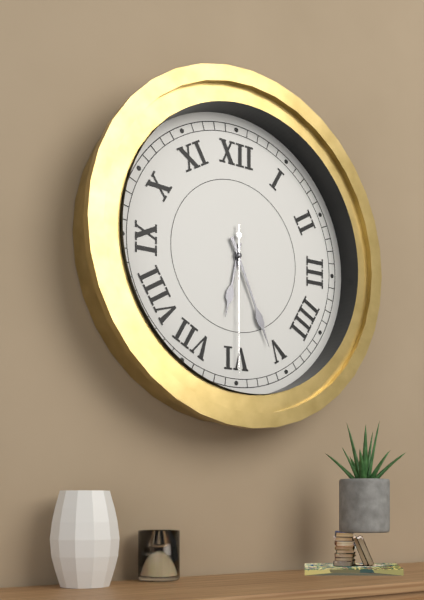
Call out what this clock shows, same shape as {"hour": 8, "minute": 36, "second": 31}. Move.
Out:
{"hour": 6, "minute": 26, "second": 30}
